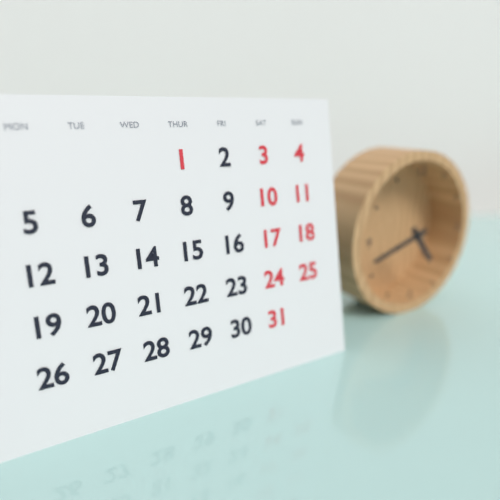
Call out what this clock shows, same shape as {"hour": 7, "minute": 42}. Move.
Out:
{"hour": 4, "minute": 42}
